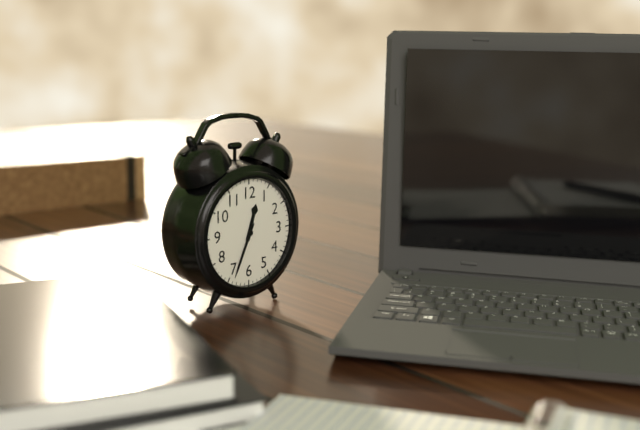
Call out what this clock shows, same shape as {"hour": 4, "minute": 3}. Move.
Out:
{"hour": 12, "minute": 34}
